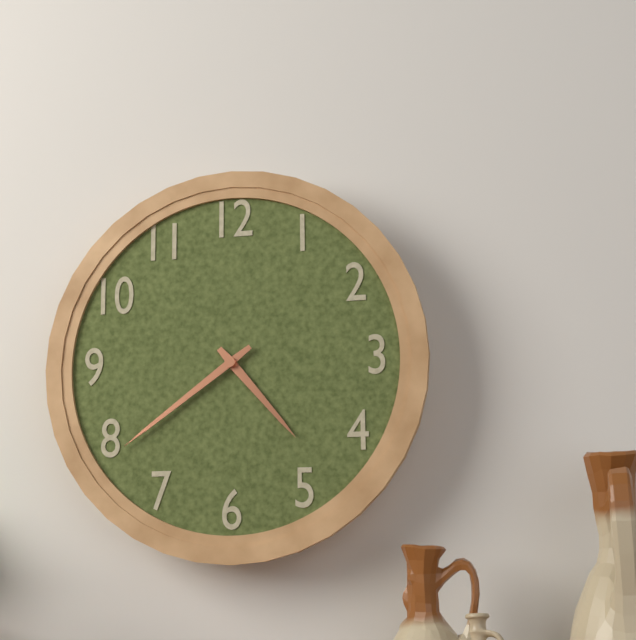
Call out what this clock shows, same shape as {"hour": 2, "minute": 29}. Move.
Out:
{"hour": 4, "minute": 39}
